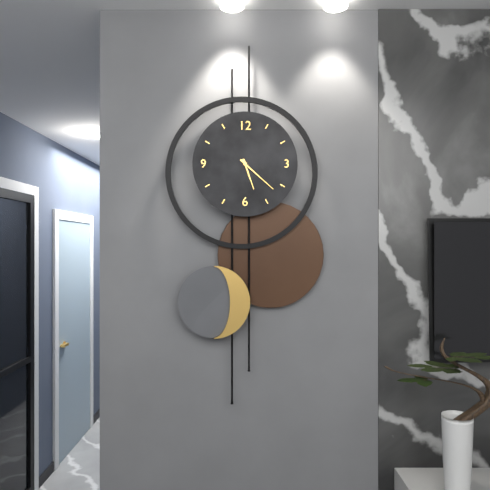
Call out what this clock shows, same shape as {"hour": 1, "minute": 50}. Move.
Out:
{"hour": 5, "minute": 22}
